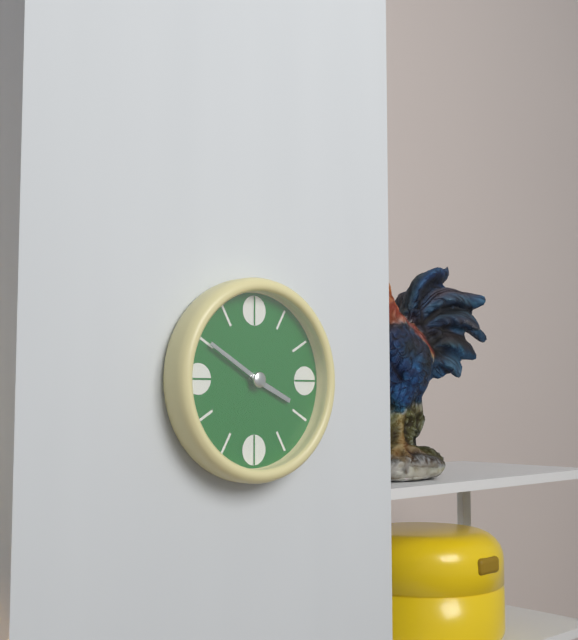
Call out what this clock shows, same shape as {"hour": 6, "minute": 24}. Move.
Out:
{"hour": 3, "minute": 50}
